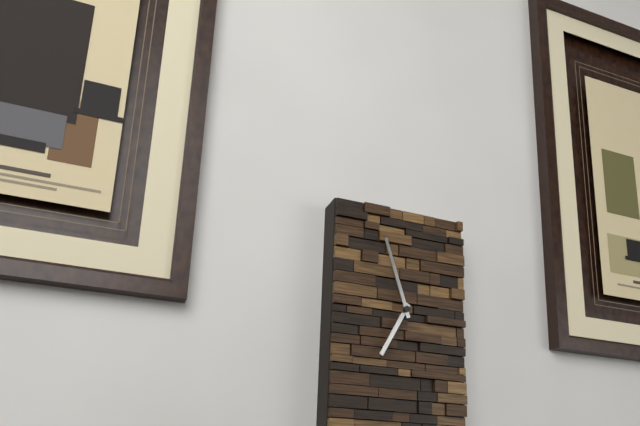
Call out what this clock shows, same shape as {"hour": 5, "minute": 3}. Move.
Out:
{"hour": 6, "minute": 57}
